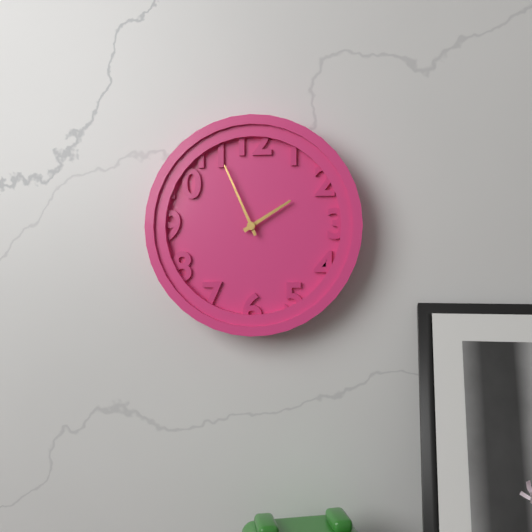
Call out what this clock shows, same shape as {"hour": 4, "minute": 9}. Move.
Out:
{"hour": 1, "minute": 56}
